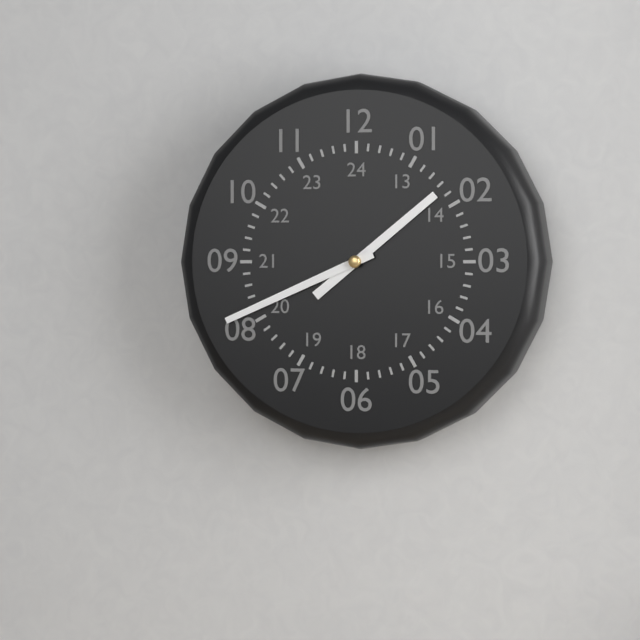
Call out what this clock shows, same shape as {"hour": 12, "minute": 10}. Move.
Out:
{"hour": 1, "minute": 41}
